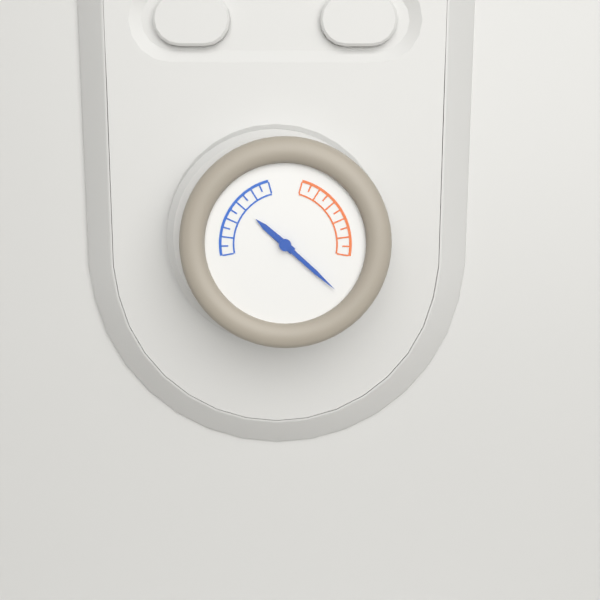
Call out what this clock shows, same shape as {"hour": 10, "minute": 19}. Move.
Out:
{"hour": 10, "minute": 22}
